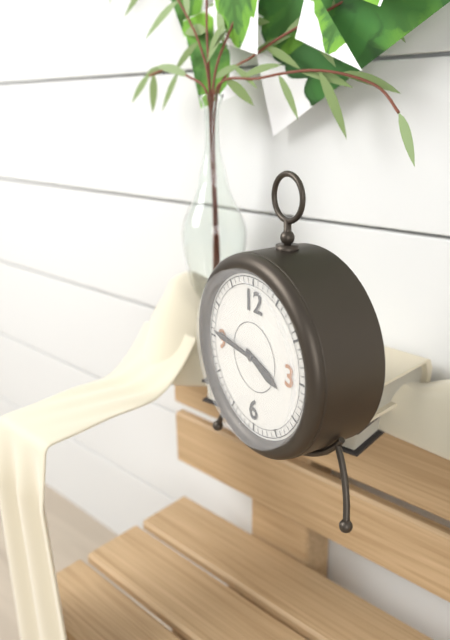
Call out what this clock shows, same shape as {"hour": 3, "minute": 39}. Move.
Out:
{"hour": 3, "minute": 46}
